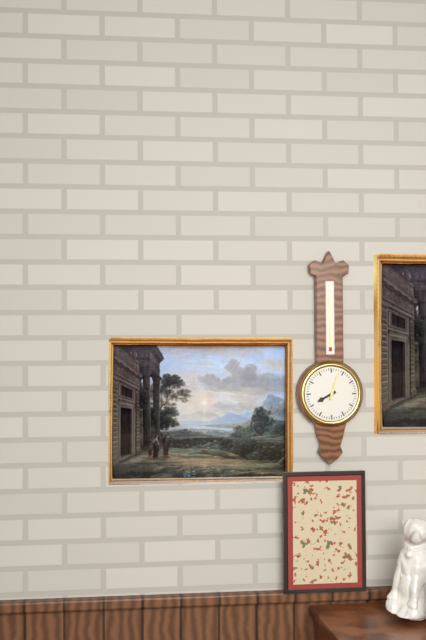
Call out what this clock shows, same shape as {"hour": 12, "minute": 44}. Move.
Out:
{"hour": 8, "minute": 3}
